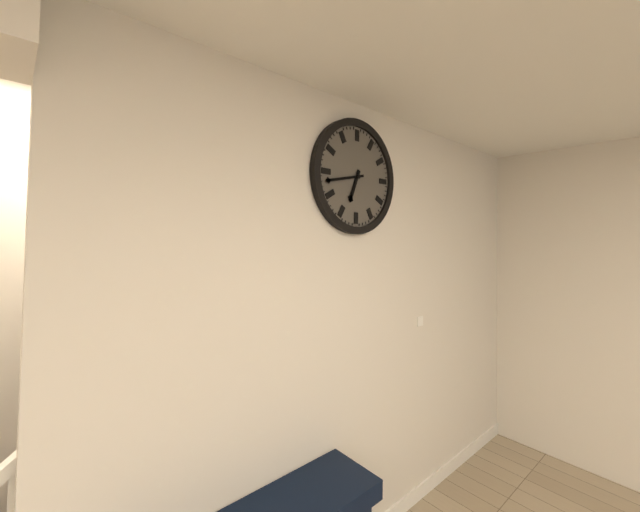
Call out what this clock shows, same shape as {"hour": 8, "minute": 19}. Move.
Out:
{"hour": 6, "minute": 43}
